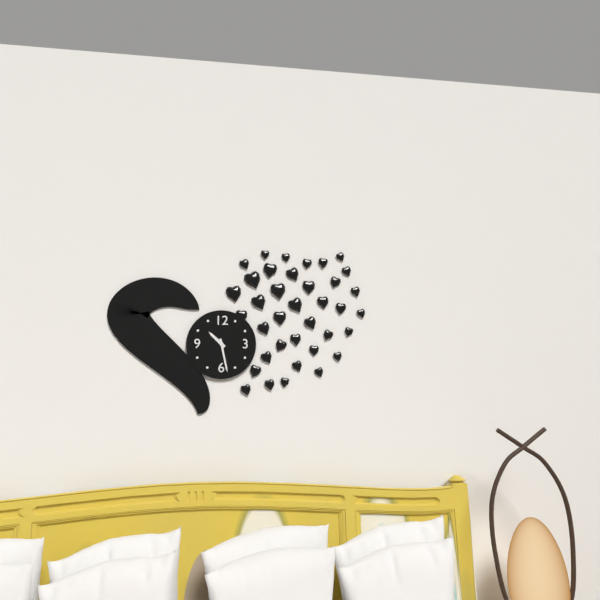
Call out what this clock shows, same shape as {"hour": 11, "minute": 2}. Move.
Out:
{"hour": 10, "minute": 28}
